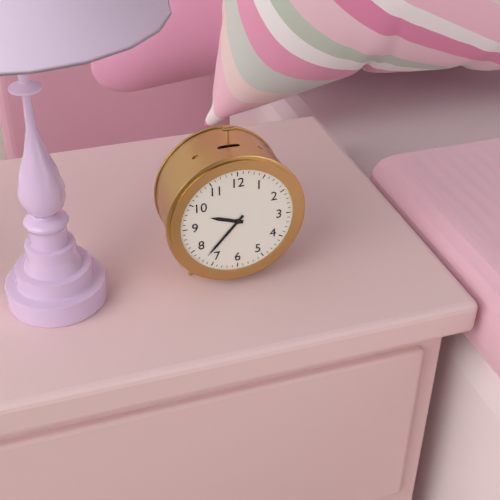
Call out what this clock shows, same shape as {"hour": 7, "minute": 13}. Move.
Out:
{"hour": 9, "minute": 37}
